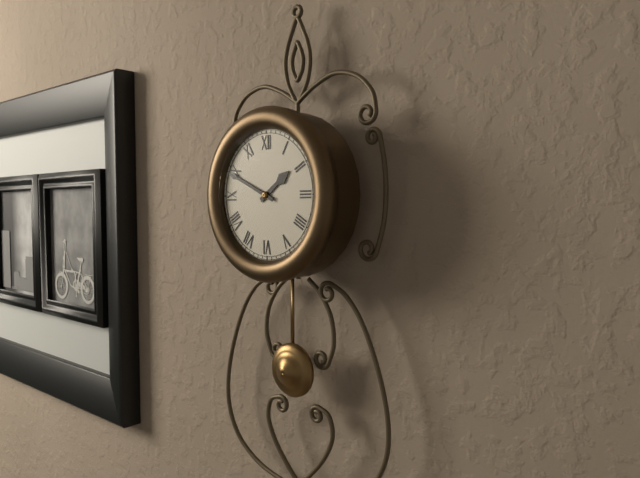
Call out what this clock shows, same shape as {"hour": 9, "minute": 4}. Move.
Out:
{"hour": 1, "minute": 49}
